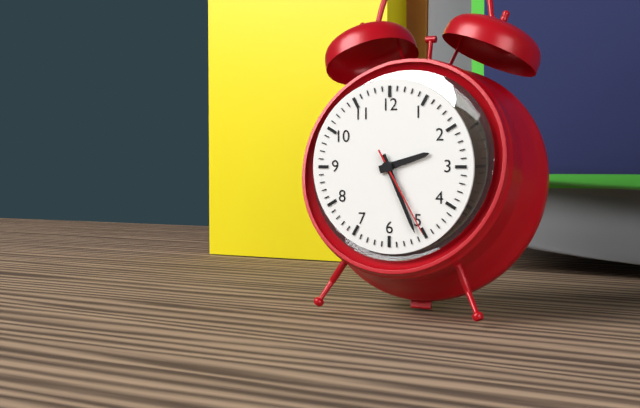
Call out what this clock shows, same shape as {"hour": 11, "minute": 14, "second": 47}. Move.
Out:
{"hour": 2, "minute": 26, "second": 25}
